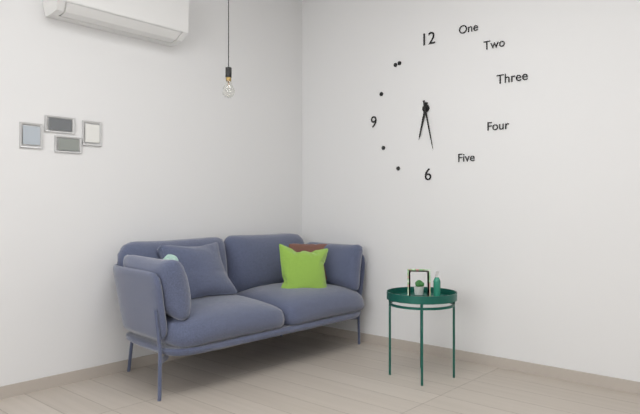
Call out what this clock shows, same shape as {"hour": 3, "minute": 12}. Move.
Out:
{"hour": 6, "minute": 28}
